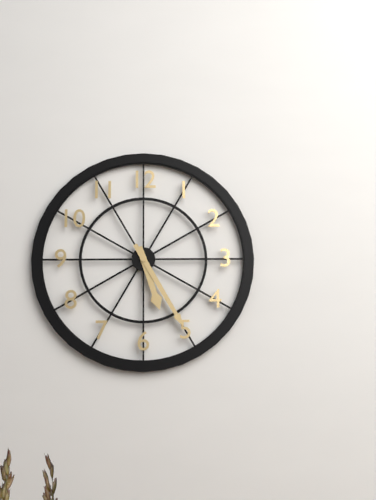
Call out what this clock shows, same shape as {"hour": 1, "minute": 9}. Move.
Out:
{"hour": 5, "minute": 25}
